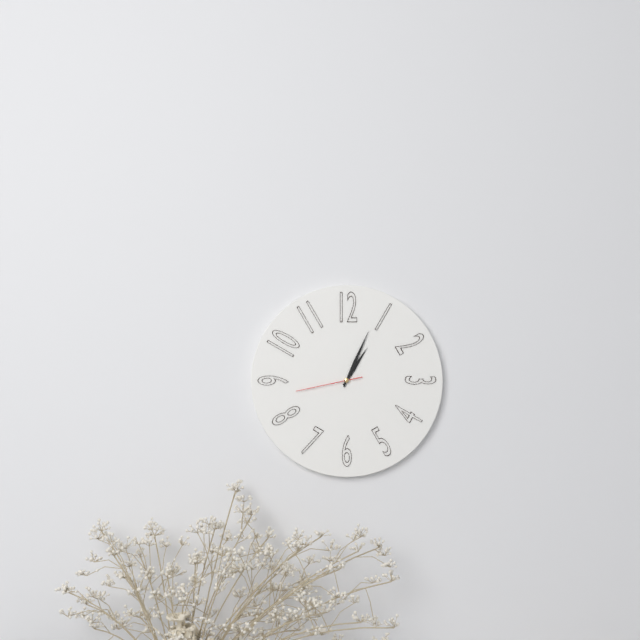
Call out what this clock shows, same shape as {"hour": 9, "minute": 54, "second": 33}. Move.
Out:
{"hour": 1, "minute": 4, "second": 43}
